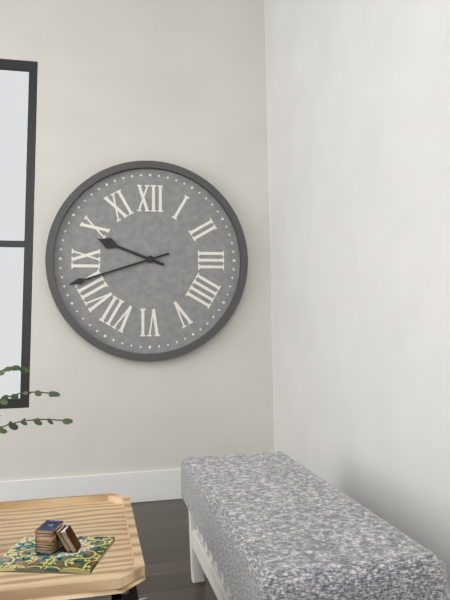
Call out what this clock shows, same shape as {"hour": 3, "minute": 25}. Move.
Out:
{"hour": 9, "minute": 42}
